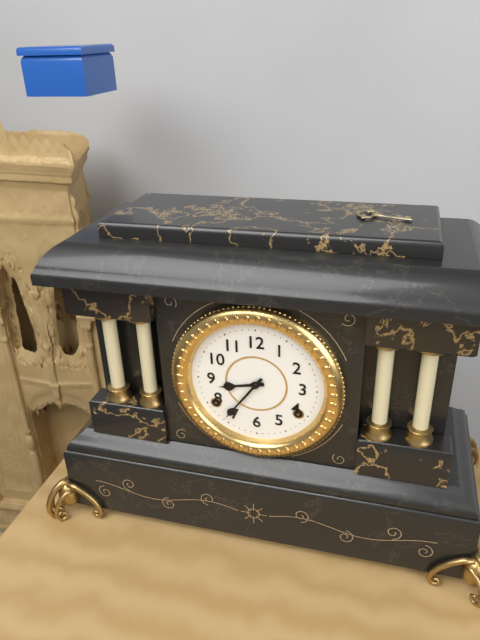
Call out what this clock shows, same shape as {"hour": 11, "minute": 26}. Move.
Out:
{"hour": 8, "minute": 36}
